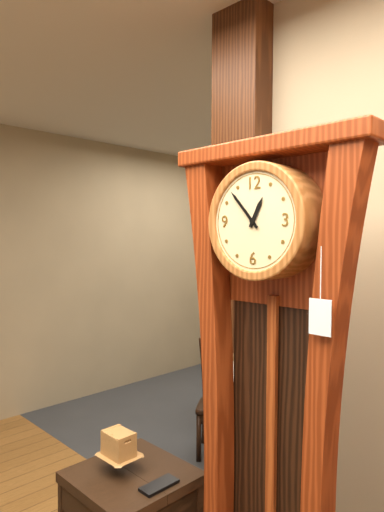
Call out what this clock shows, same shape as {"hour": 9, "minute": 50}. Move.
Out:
{"hour": 12, "minute": 53}
